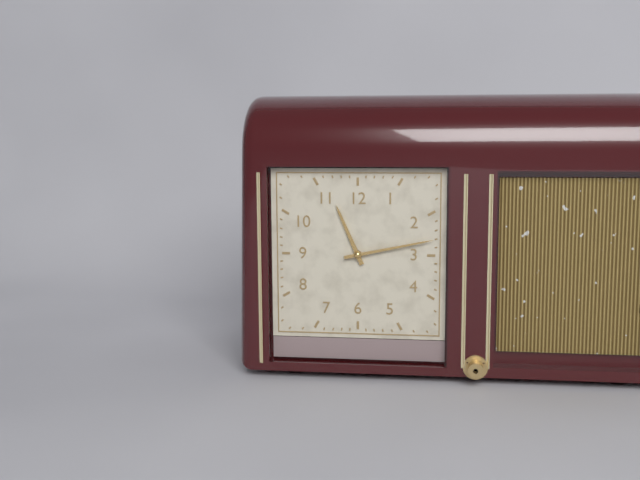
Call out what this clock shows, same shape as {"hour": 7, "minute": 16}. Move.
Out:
{"hour": 11, "minute": 13}
